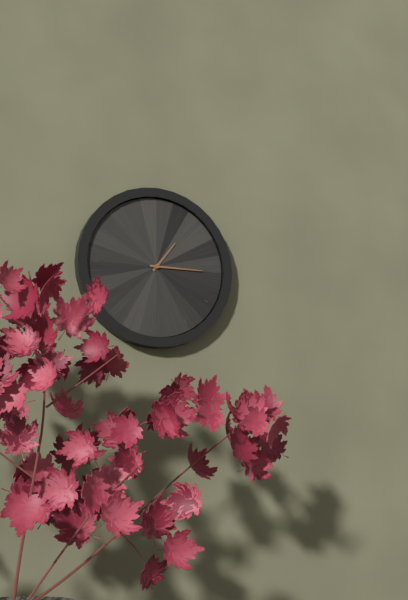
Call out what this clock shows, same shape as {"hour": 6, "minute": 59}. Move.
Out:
{"hour": 1, "minute": 15}
